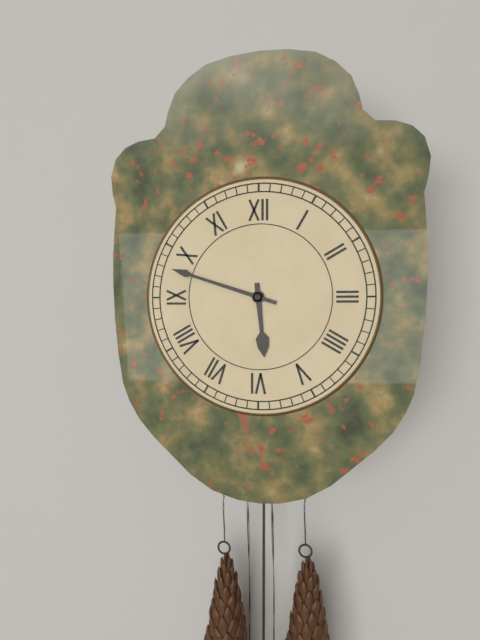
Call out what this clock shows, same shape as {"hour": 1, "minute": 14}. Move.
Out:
{"hour": 5, "minute": 48}
